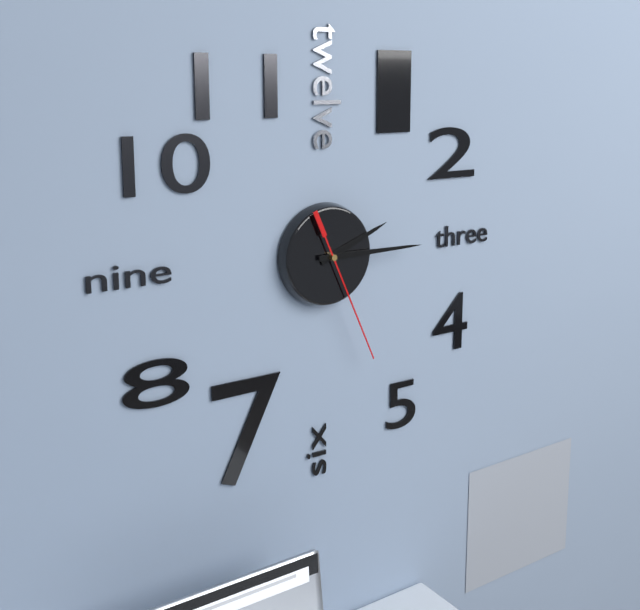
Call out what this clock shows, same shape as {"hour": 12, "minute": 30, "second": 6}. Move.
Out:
{"hour": 2, "minute": 15, "second": 26}
